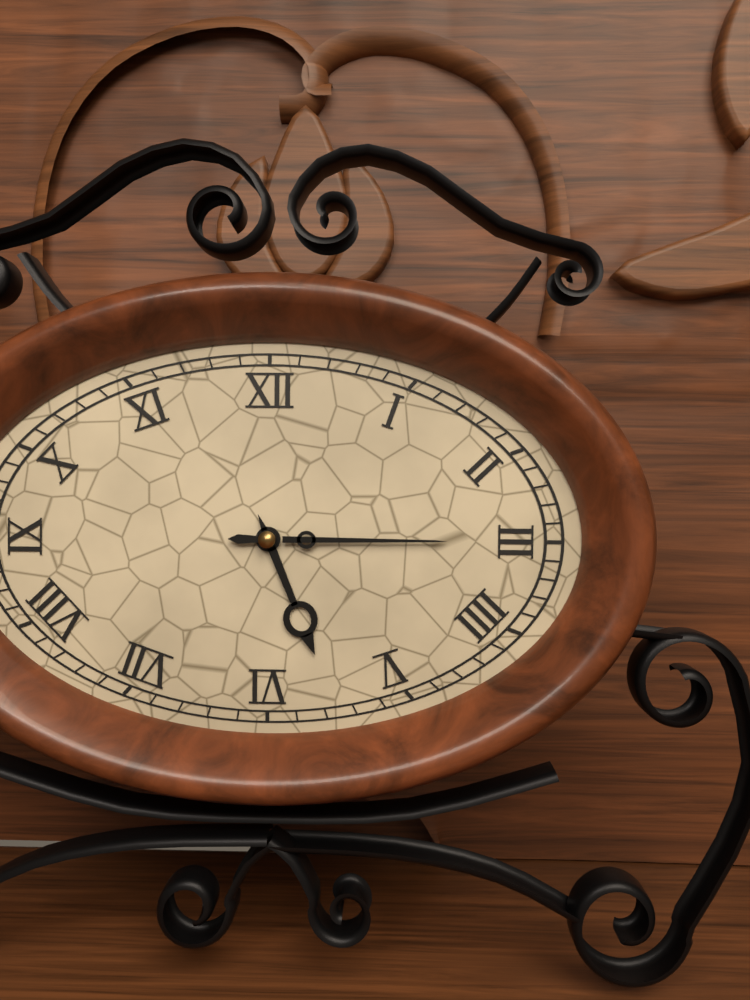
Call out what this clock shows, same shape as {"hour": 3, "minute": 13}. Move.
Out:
{"hour": 5, "minute": 15}
